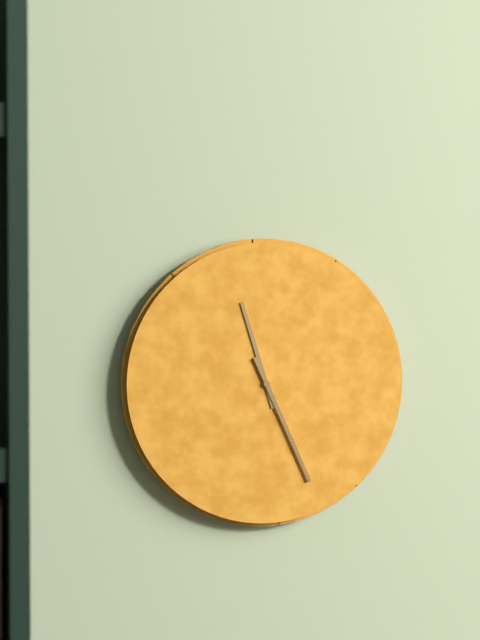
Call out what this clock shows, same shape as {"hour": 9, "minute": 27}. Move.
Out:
{"hour": 11, "minute": 26}
